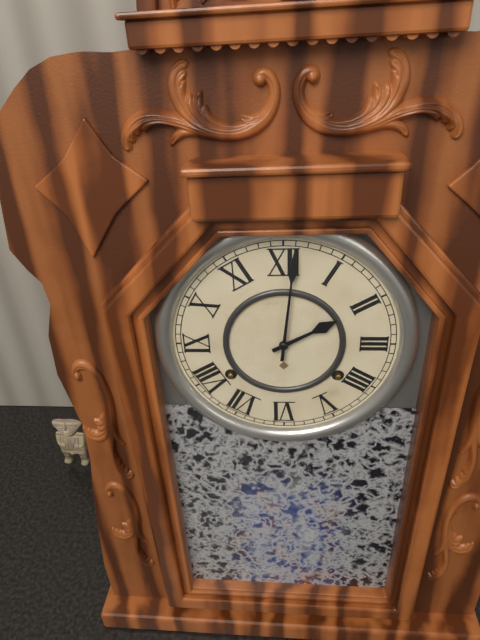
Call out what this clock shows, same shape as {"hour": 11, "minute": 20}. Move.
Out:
{"hour": 2, "minute": 1}
